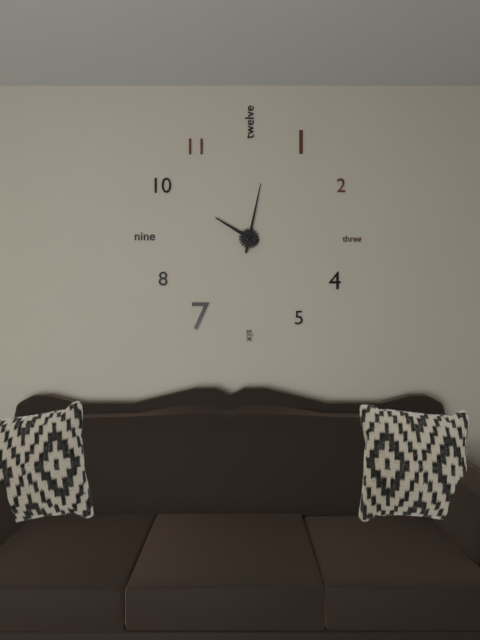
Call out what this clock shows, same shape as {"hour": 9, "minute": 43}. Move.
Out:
{"hour": 10, "minute": 2}
